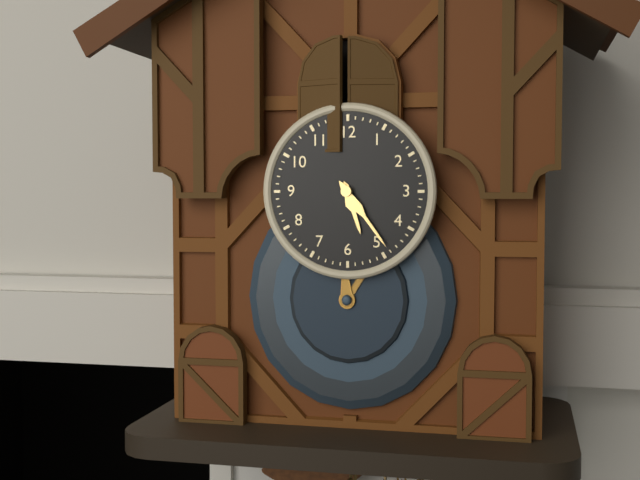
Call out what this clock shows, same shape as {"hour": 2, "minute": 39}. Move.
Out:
{"hour": 5, "minute": 24}
